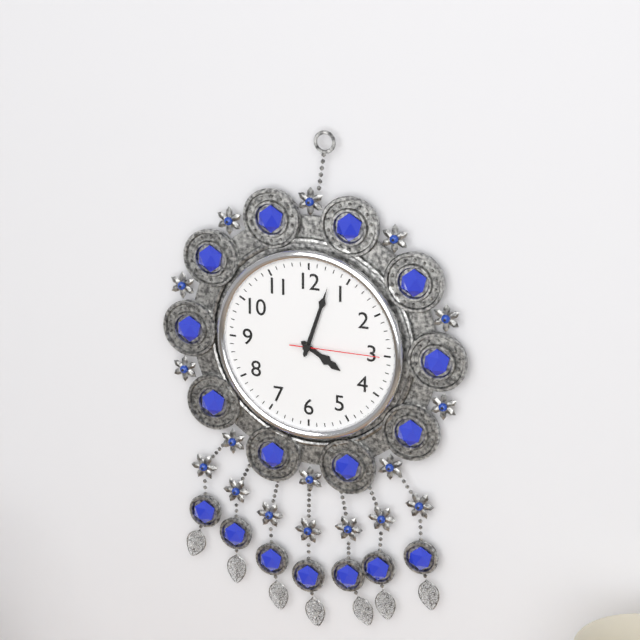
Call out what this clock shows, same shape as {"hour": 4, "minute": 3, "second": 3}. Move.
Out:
{"hour": 4, "minute": 3, "second": 15}
